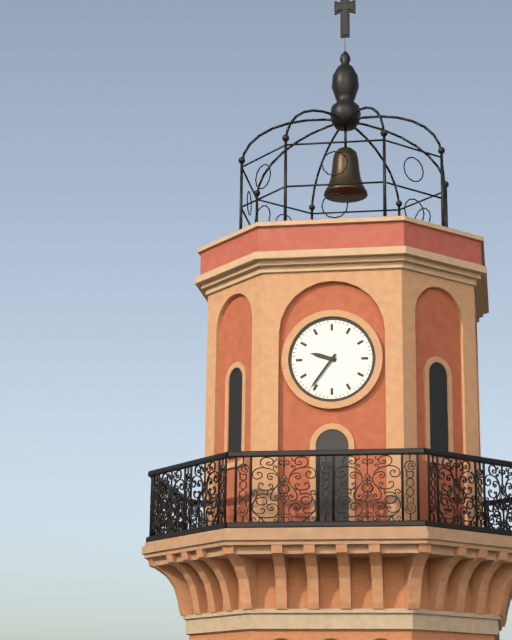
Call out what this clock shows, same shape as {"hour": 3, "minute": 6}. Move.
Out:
{"hour": 9, "minute": 36}
